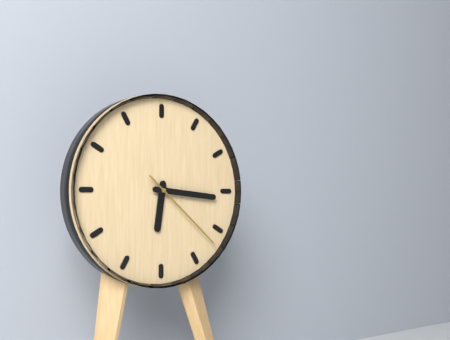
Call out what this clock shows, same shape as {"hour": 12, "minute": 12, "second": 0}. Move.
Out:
{"hour": 6, "minute": 16, "second": 22}
